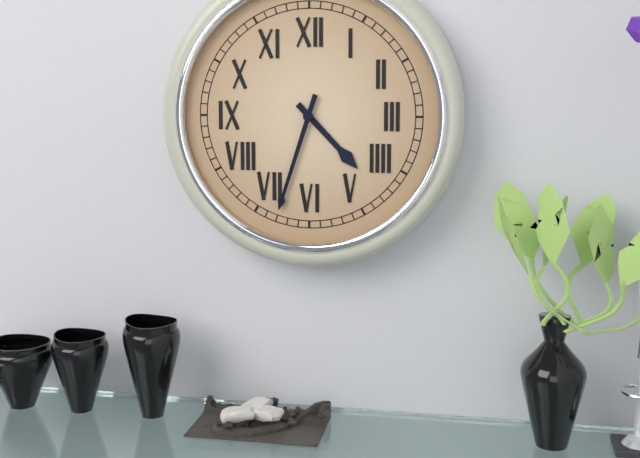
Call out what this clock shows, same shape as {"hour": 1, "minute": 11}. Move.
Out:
{"hour": 4, "minute": 33}
